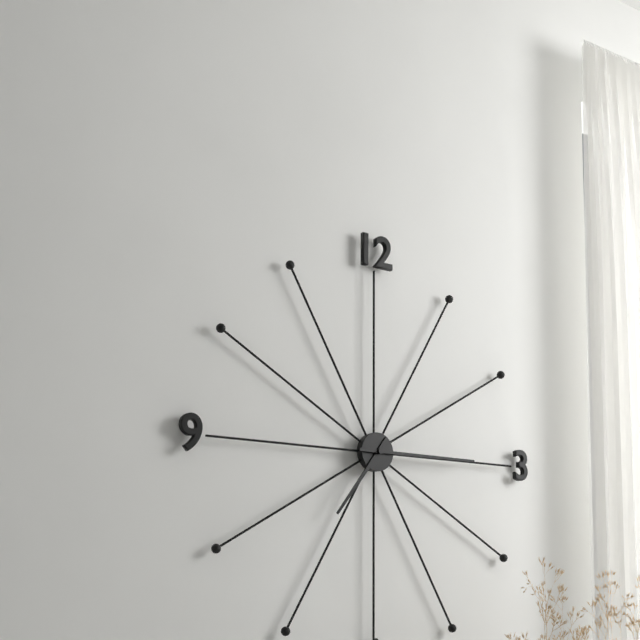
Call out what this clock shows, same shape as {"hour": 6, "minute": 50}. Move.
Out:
{"hour": 7, "minute": 15}
